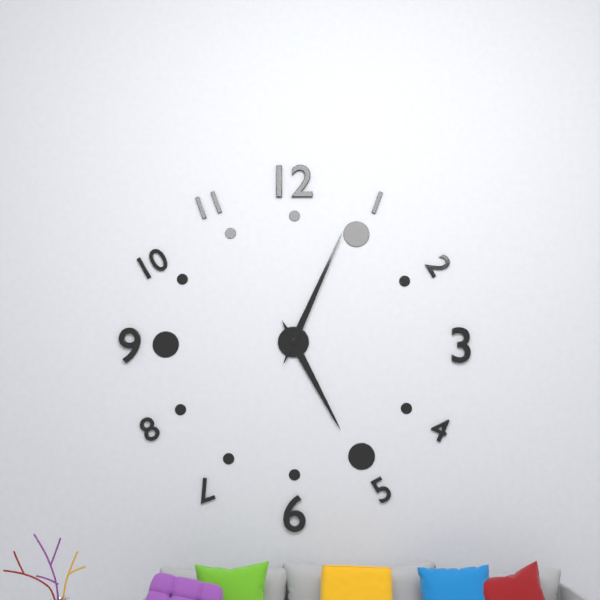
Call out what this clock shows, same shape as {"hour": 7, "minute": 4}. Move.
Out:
{"hour": 5, "minute": 4}
